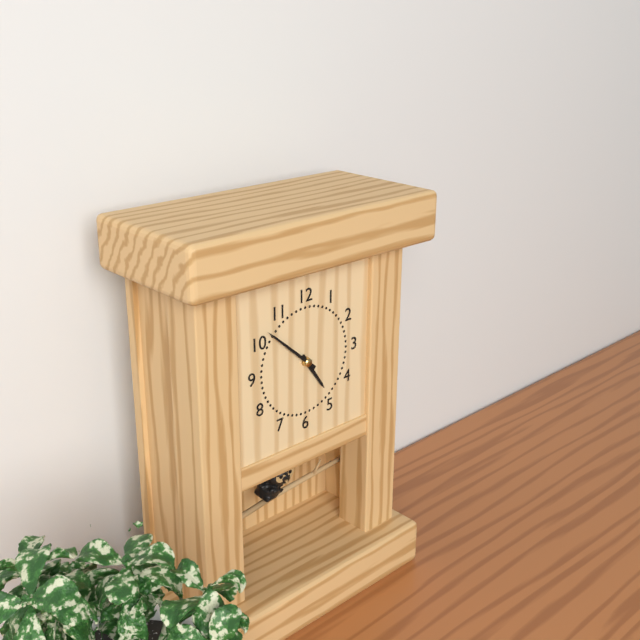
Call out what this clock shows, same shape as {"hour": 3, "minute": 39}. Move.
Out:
{"hour": 4, "minute": 52}
